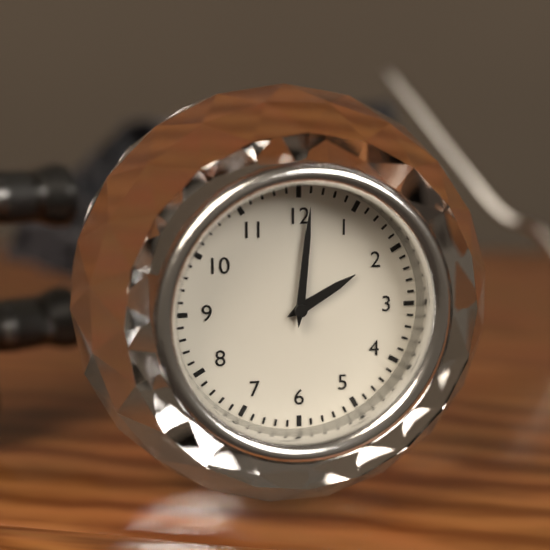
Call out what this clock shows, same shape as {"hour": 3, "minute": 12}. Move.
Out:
{"hour": 2, "minute": 1}
